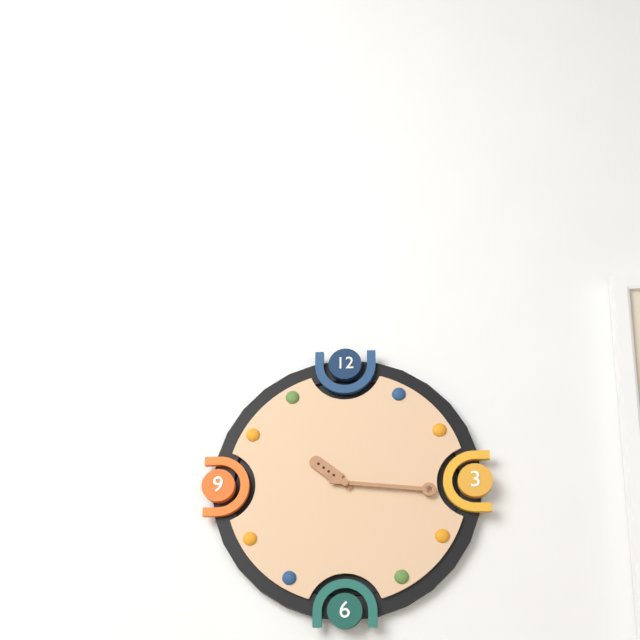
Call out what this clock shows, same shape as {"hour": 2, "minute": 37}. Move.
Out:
{"hour": 10, "minute": 16}
